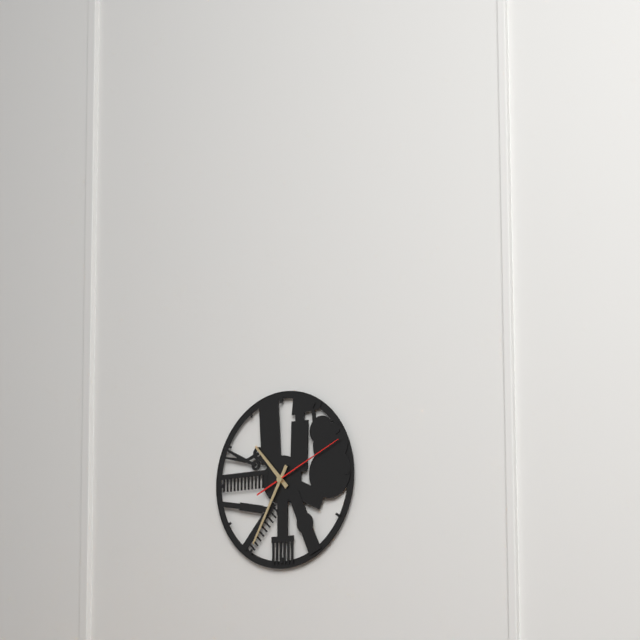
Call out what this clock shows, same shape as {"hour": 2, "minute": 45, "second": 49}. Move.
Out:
{"hour": 10, "minute": 35, "second": 11}
